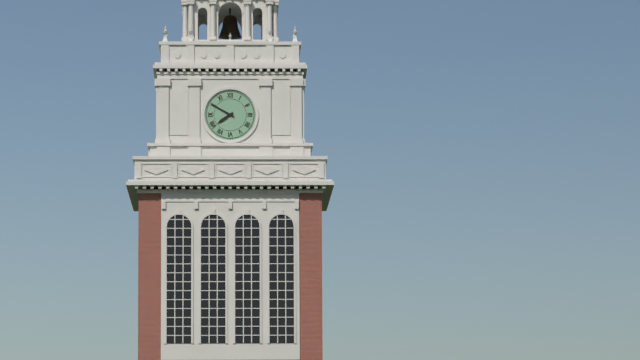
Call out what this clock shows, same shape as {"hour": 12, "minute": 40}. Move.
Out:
{"hour": 7, "minute": 50}
